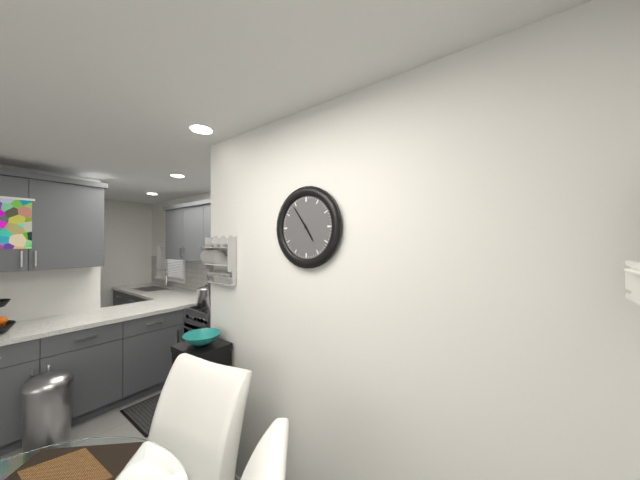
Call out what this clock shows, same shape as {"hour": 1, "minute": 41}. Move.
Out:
{"hour": 4, "minute": 54}
